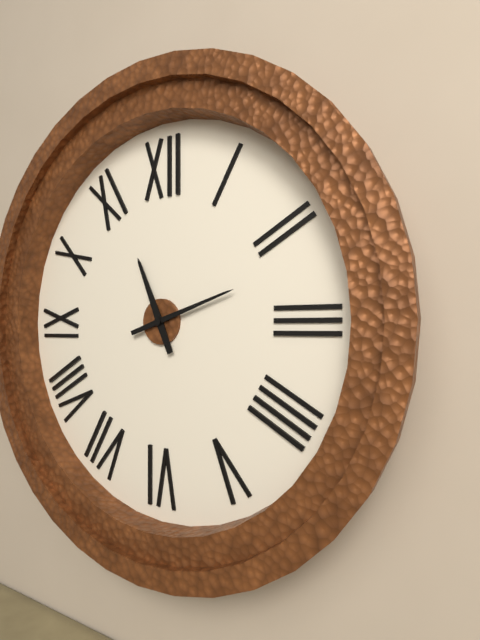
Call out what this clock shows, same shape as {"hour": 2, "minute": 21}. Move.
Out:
{"hour": 11, "minute": 12}
